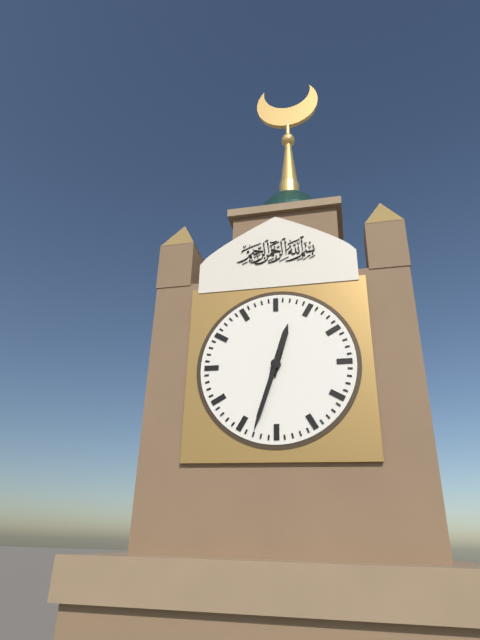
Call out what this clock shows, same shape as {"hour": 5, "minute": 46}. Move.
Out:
{"hour": 12, "minute": 33}
